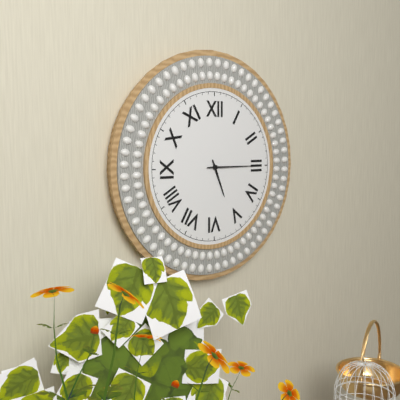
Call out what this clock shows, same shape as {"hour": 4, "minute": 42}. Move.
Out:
{"hour": 5, "minute": 15}
